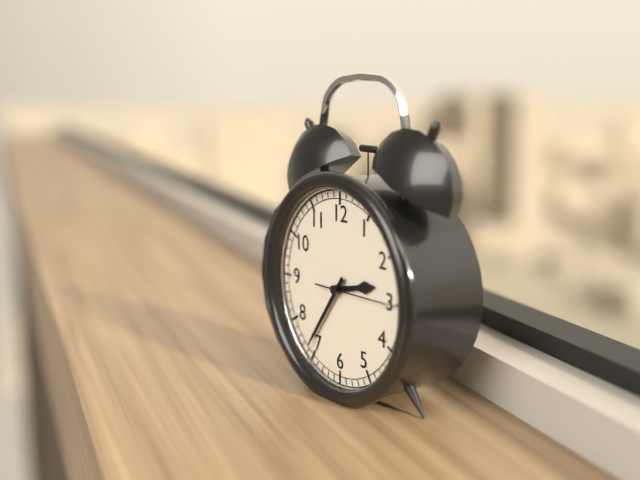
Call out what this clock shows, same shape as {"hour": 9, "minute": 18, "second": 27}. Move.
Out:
{"hour": 2, "minute": 36, "second": 15}
